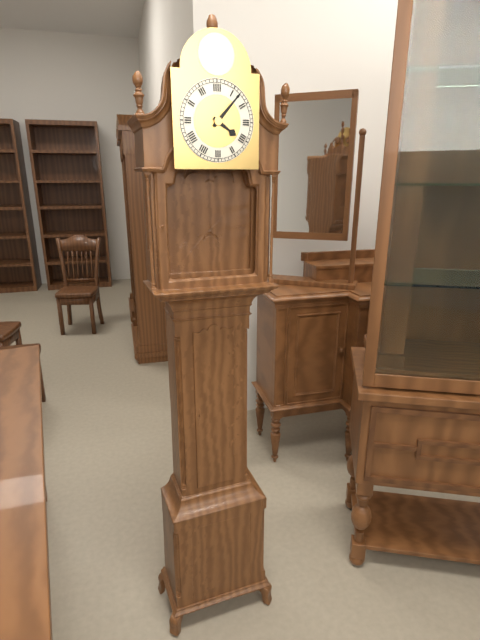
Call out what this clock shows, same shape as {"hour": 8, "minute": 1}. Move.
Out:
{"hour": 4, "minute": 7}
